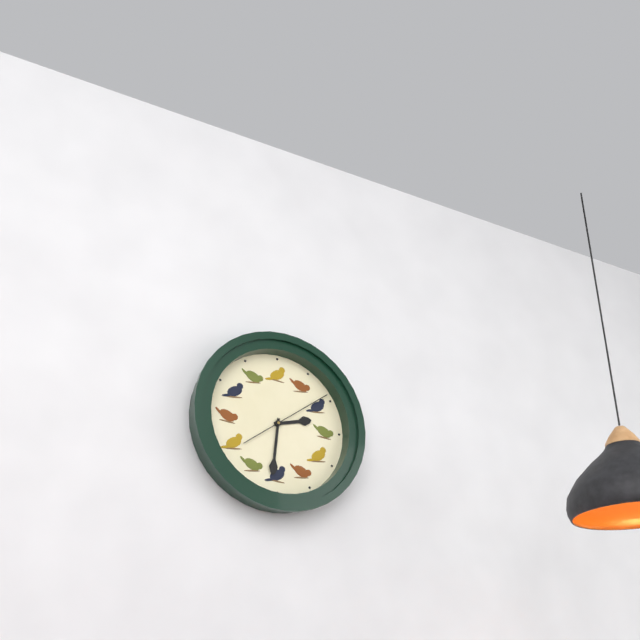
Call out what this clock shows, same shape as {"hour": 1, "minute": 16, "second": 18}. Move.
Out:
{"hour": 2, "minute": 31, "second": 9}
